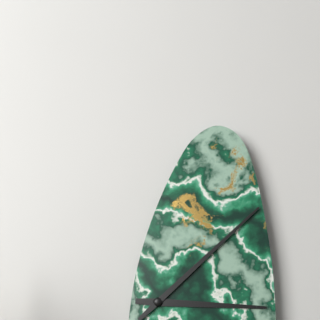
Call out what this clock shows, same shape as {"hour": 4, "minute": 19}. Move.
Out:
{"hour": 3, "minute": 8}
